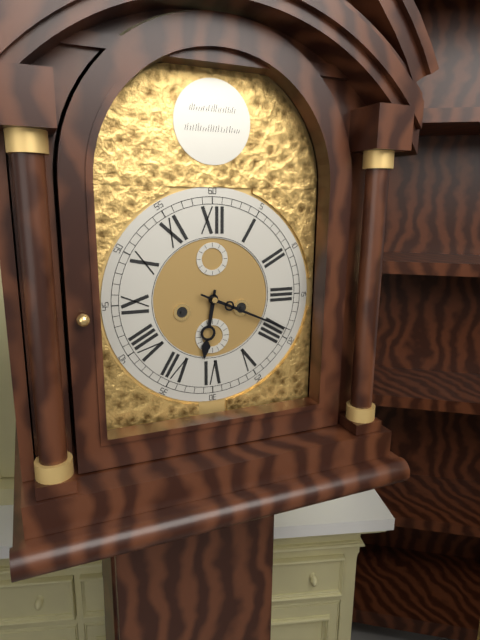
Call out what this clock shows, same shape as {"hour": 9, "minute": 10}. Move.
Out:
{"hour": 6, "minute": 19}
